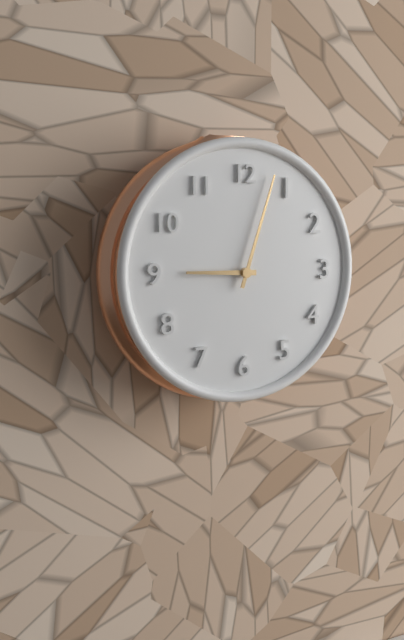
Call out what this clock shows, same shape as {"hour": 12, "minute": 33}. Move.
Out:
{"hour": 9, "minute": 3}
